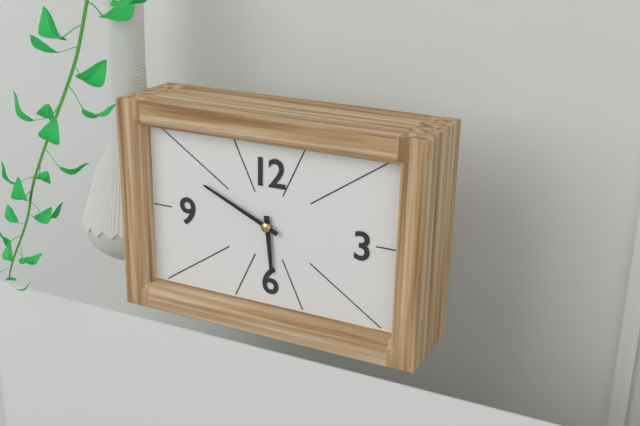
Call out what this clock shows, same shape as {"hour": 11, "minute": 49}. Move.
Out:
{"hour": 5, "minute": 49}
